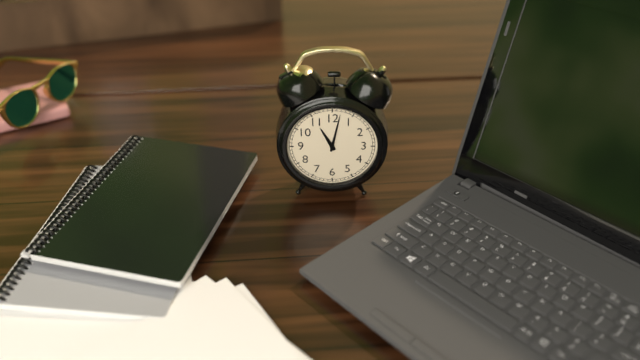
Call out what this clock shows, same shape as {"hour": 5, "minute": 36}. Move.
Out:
{"hour": 11, "minute": 2}
